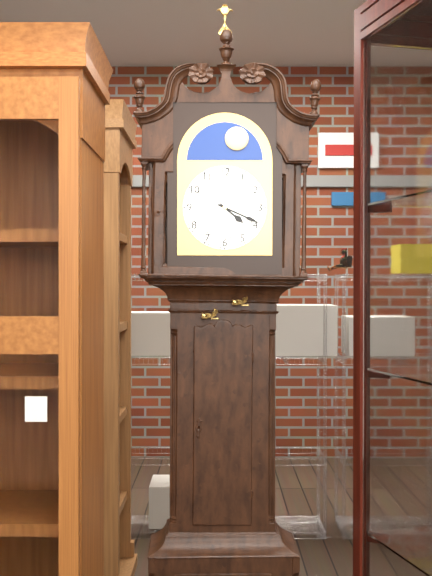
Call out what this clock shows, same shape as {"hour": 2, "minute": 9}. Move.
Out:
{"hour": 4, "minute": 19}
